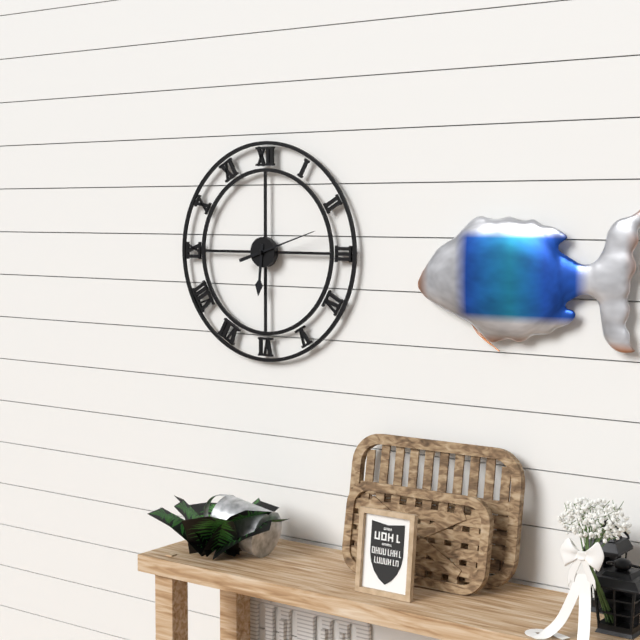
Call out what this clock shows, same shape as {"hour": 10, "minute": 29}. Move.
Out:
{"hour": 6, "minute": 12}
